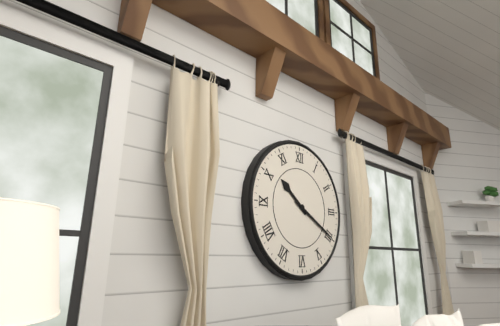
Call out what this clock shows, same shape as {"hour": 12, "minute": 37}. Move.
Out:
{"hour": 10, "minute": 20}
